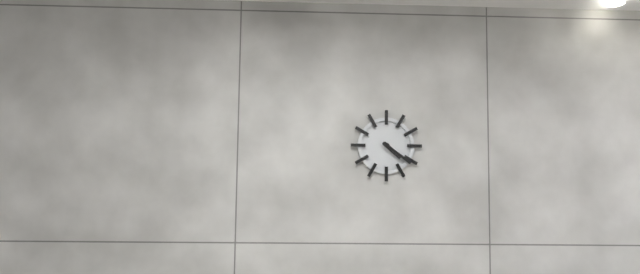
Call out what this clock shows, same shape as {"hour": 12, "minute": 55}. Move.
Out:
{"hour": 4, "minute": 21}
